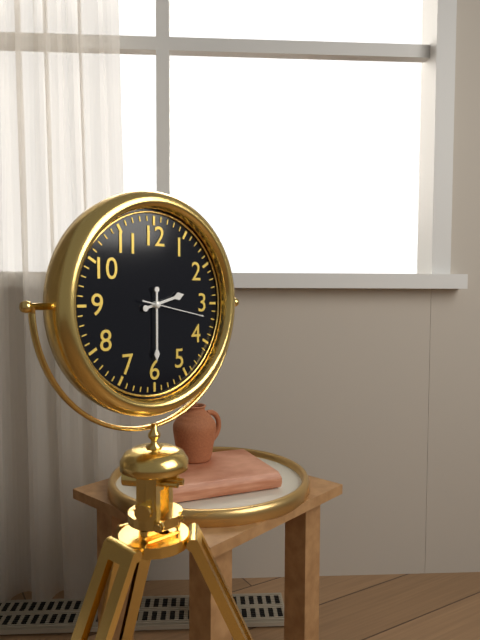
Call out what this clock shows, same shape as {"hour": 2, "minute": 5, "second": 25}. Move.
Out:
{"hour": 2, "minute": 30, "second": 17}
